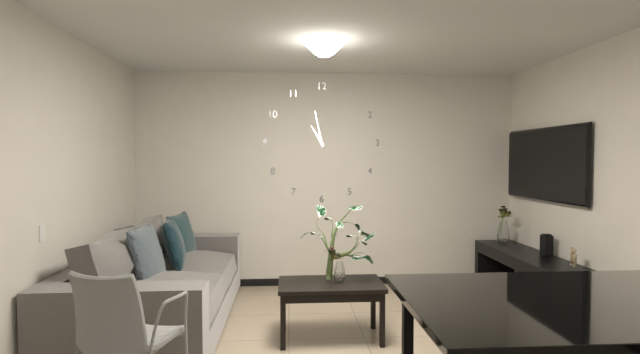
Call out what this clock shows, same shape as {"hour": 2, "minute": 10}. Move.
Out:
{"hour": 10, "minute": 58}
